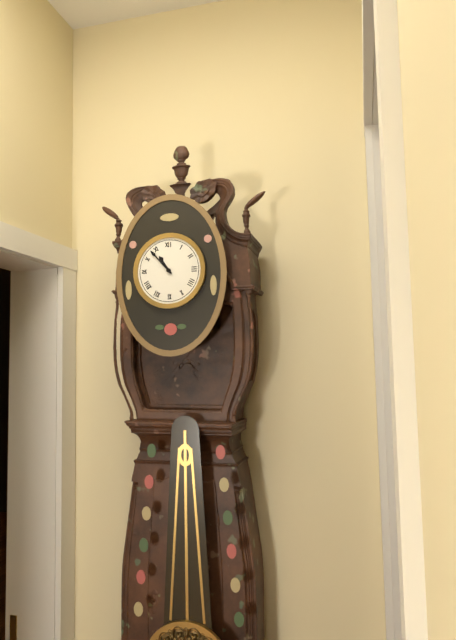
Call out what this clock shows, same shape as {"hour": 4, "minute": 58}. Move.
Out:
{"hour": 10, "minute": 53}
